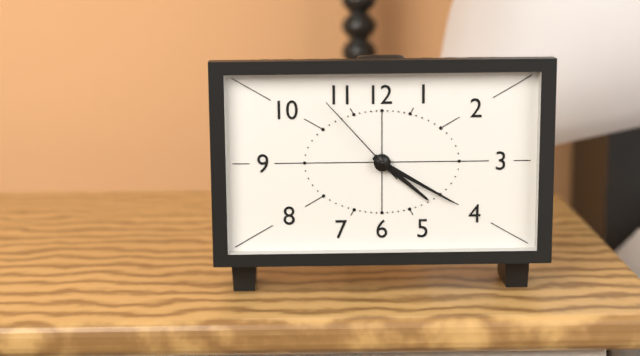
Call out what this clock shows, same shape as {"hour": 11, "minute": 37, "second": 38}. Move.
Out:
{"hour": 4, "minute": 20, "second": 53}
